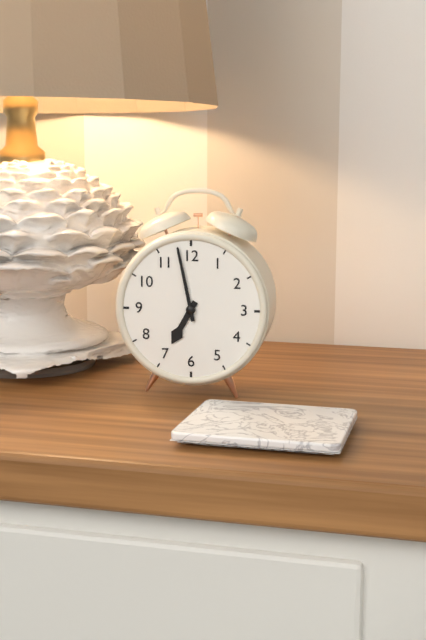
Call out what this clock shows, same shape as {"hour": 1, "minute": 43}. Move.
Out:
{"hour": 6, "minute": 58}
